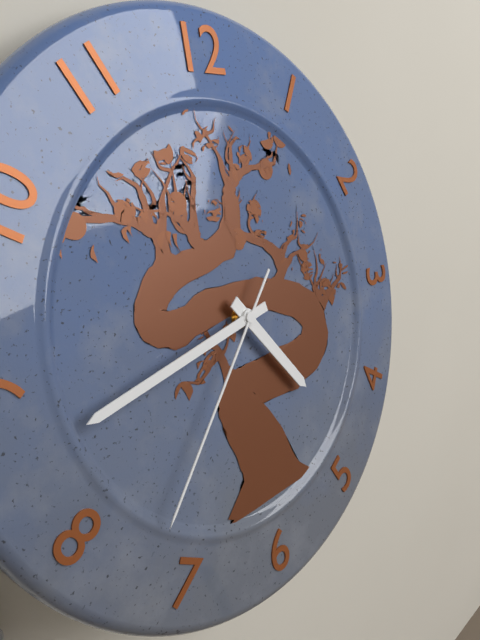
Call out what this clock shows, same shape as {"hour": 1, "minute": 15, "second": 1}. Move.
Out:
{"hour": 4, "minute": 43, "second": 37}
